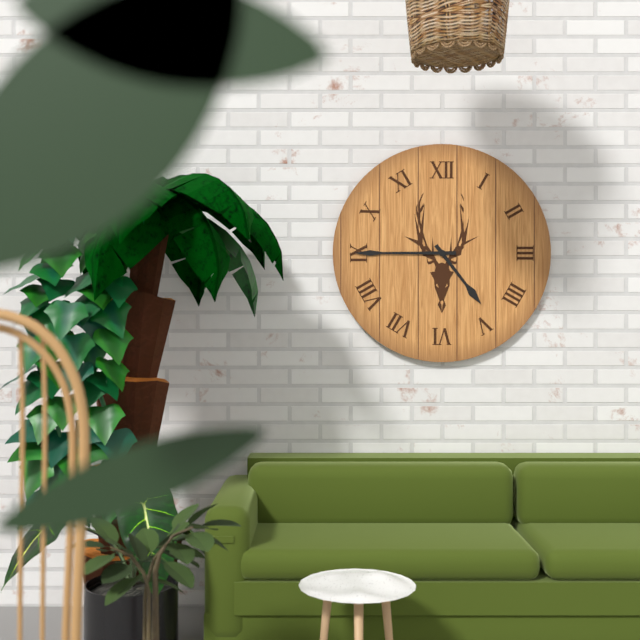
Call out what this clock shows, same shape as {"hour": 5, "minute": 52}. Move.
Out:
{"hour": 4, "minute": 45}
